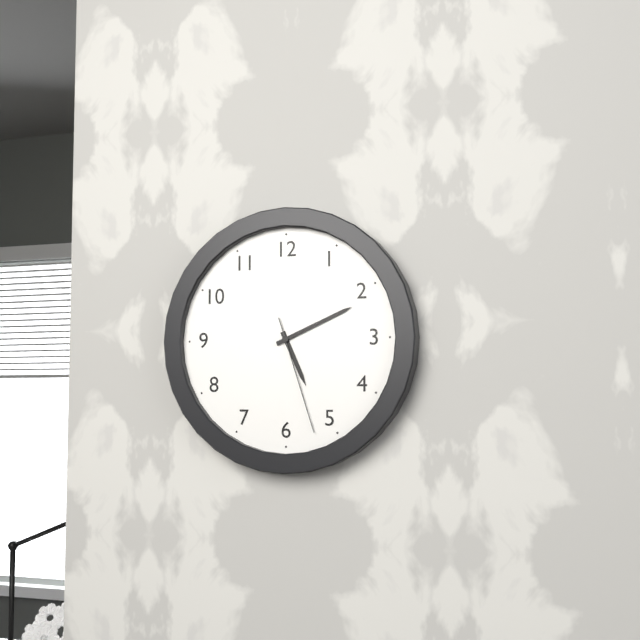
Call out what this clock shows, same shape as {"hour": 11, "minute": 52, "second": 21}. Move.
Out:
{"hour": 5, "minute": 11, "second": 27}
